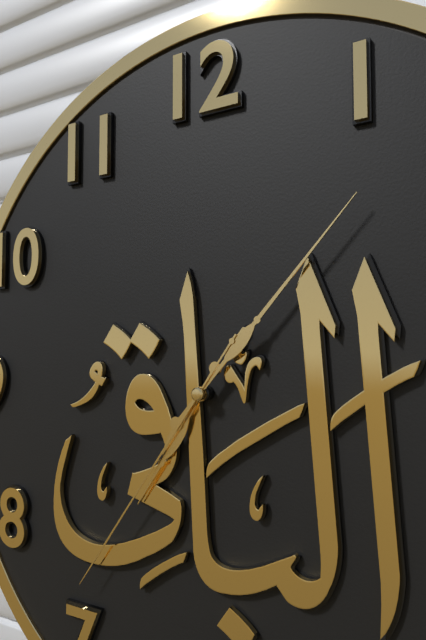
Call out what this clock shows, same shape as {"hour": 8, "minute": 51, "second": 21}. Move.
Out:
{"hour": 7, "minute": 7, "second": 36}
